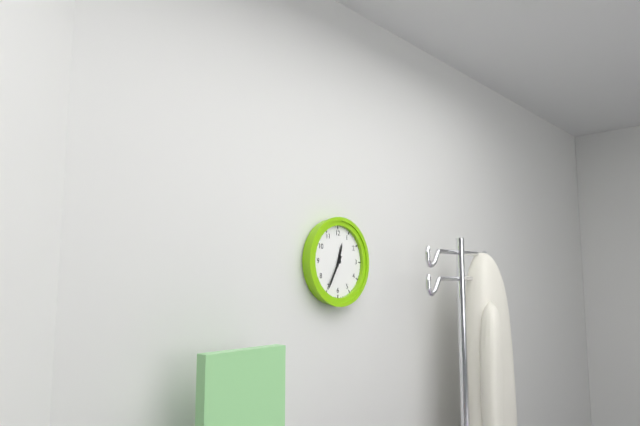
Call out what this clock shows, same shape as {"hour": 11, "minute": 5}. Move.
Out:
{"hour": 12, "minute": 35}
